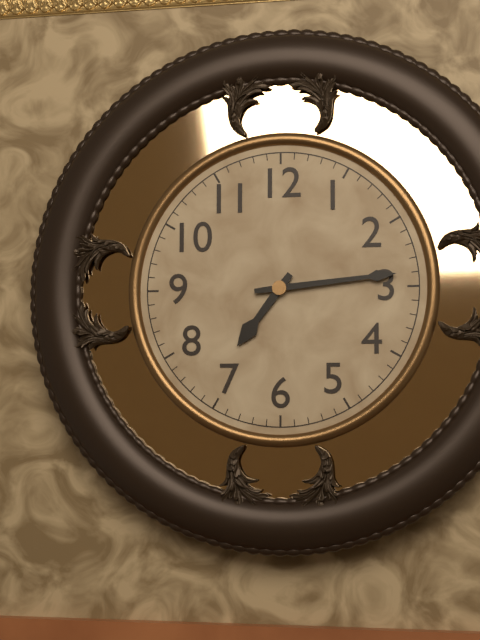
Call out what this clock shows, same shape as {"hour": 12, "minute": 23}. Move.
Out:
{"hour": 7, "minute": 14}
